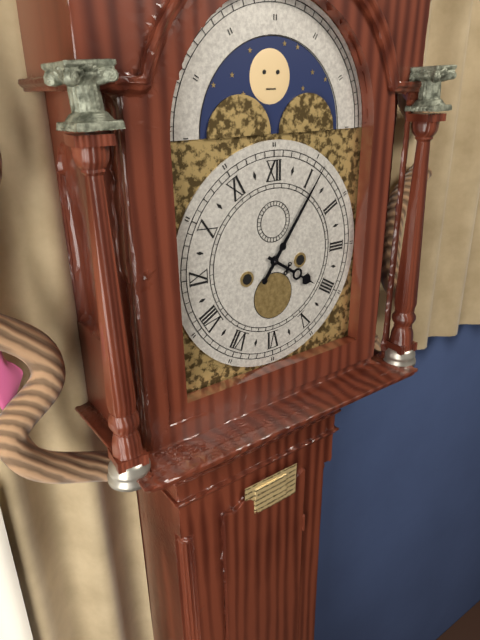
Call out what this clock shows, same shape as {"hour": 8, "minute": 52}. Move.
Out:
{"hour": 4, "minute": 6}
